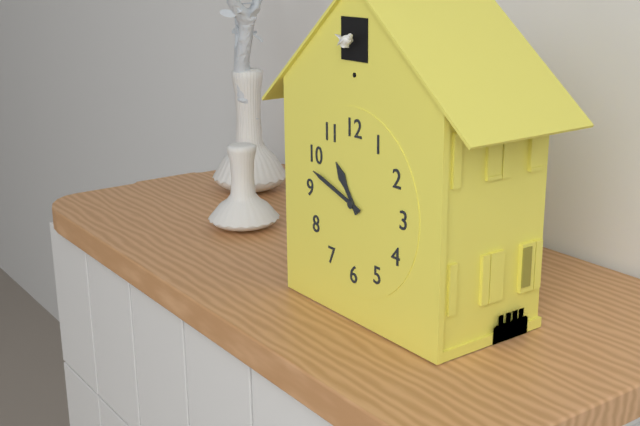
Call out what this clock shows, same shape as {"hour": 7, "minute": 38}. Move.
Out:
{"hour": 10, "minute": 48}
